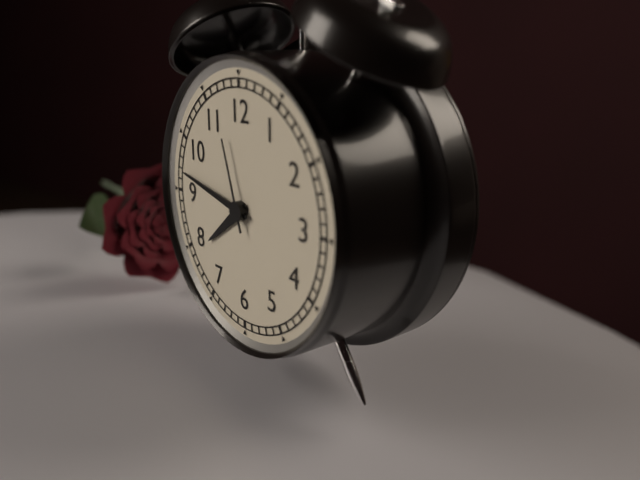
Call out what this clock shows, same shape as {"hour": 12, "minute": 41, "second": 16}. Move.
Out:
{"hour": 7, "minute": 47, "second": 57}
